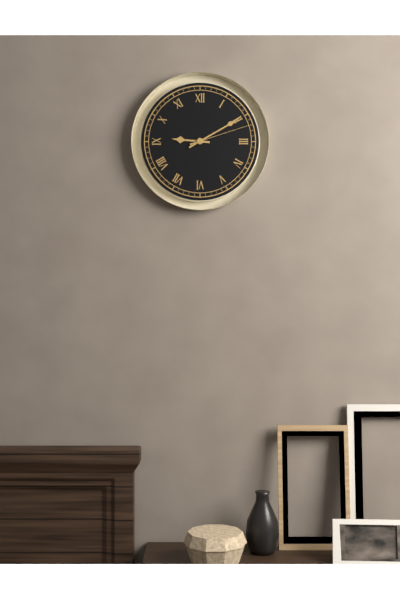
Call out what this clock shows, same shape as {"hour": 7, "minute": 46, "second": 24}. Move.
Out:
{"hour": 9, "minute": 10, "second": 12}
